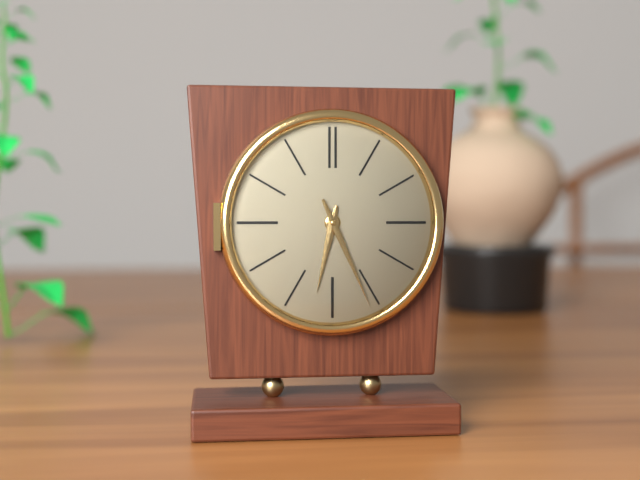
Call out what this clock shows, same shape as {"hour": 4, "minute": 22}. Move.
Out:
{"hour": 6, "minute": 26}
